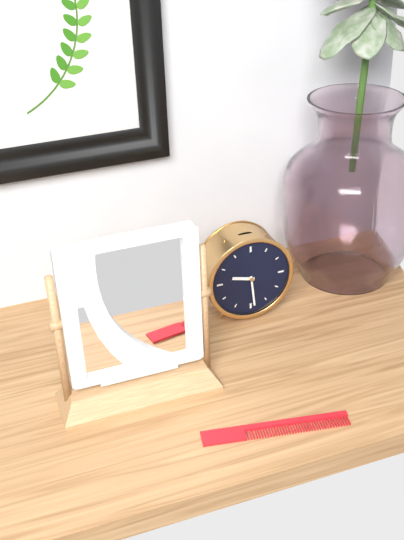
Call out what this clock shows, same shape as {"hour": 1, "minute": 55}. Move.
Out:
{"hour": 9, "minute": 29}
